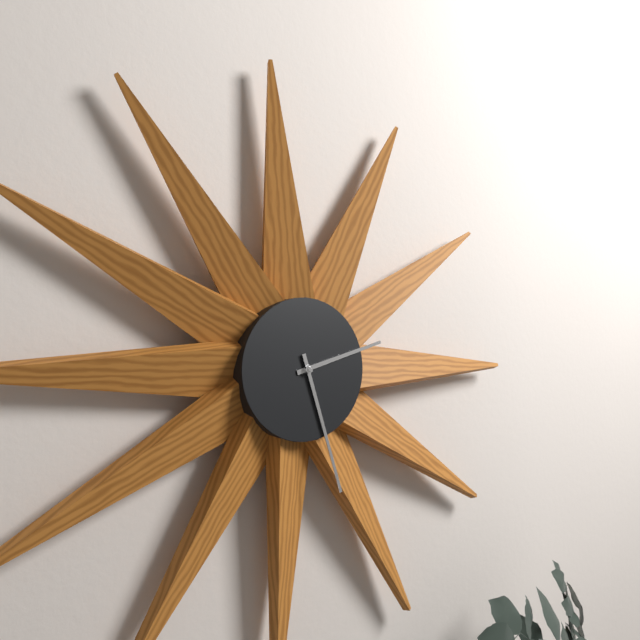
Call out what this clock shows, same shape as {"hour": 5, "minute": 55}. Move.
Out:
{"hour": 2, "minute": 27}
